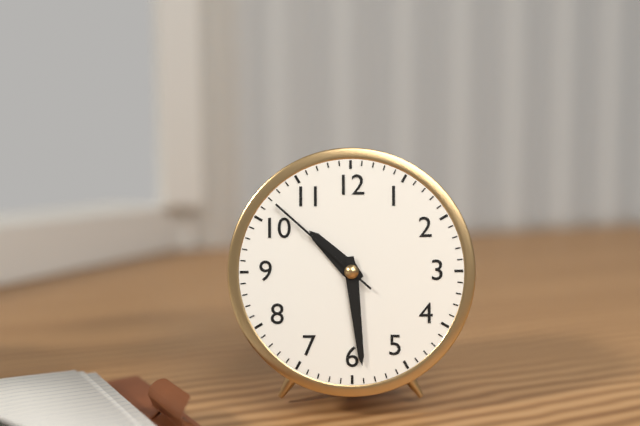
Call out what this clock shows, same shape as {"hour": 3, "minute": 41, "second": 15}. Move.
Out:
{"hour": 10, "minute": 29, "second": 52}
